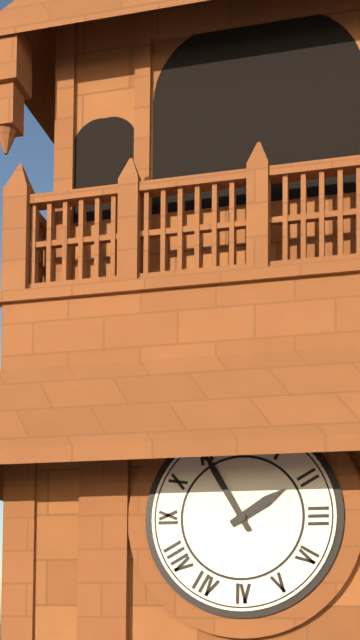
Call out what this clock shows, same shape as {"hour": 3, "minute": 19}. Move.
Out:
{"hour": 1, "minute": 55}
